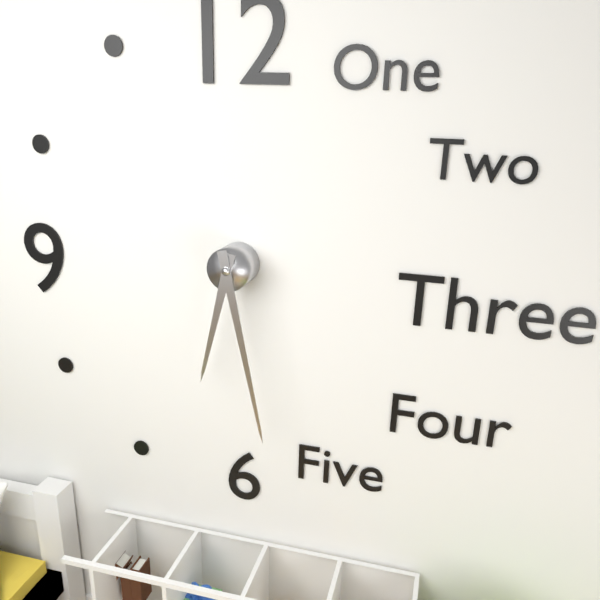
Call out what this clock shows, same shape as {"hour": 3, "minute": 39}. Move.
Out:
{"hour": 6, "minute": 28}
